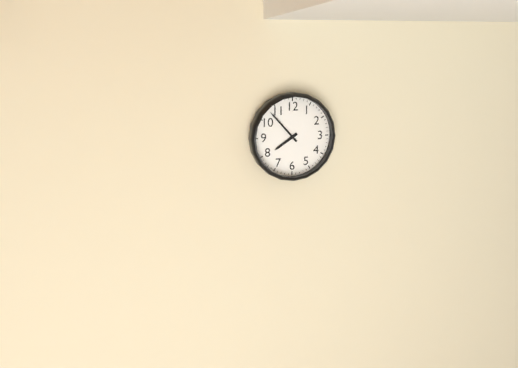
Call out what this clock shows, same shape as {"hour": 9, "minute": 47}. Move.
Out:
{"hour": 7, "minute": 53}
